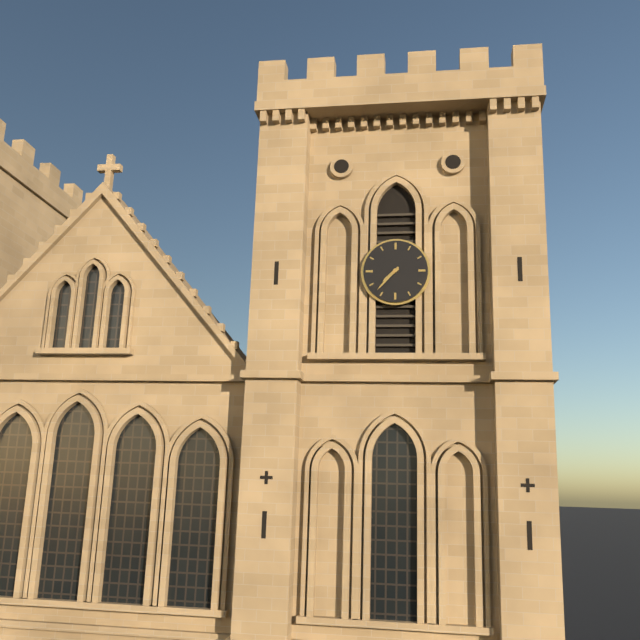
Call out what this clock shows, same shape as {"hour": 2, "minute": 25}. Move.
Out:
{"hour": 7, "minute": 37}
